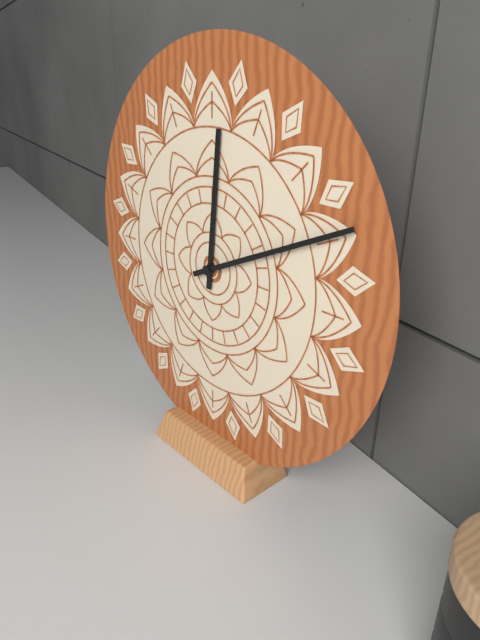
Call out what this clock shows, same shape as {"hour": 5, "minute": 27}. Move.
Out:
{"hour": 12, "minute": 11}
